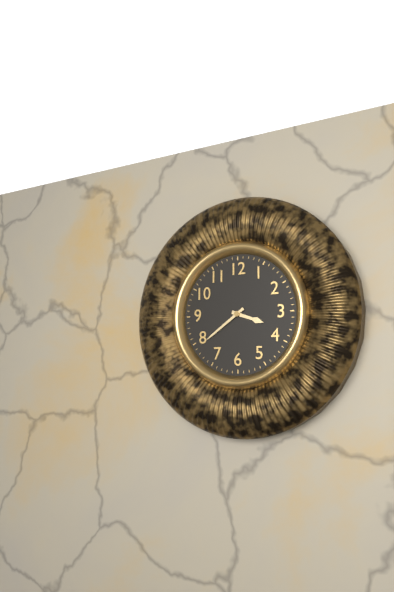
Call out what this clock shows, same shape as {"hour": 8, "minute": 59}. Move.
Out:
{"hour": 3, "minute": 39}
